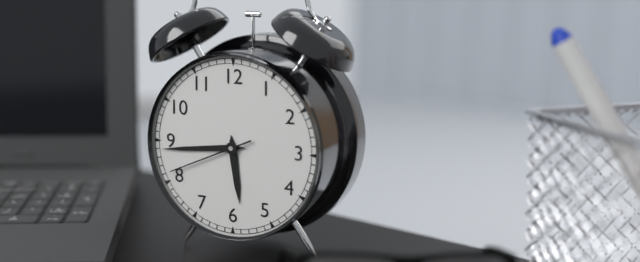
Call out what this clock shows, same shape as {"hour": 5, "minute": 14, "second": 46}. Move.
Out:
{"hour": 5, "minute": 44, "second": 41}
